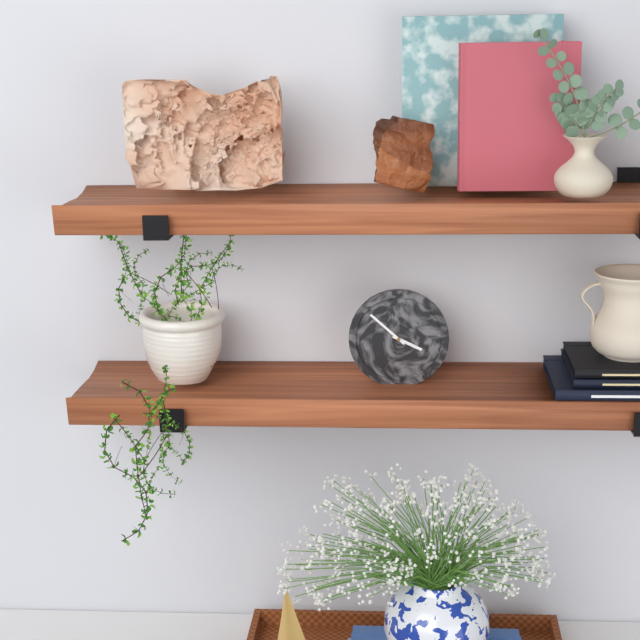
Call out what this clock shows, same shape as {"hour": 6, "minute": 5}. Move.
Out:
{"hour": 3, "minute": 52}
